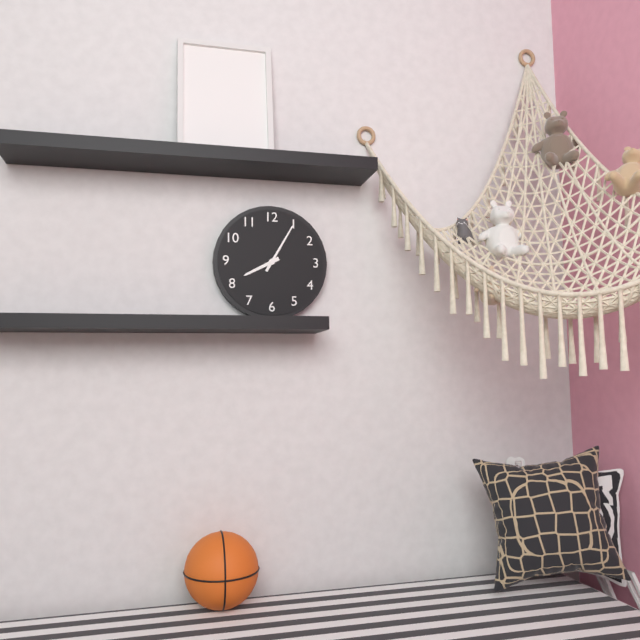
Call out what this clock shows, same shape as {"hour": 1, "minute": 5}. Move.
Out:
{"hour": 8, "minute": 5}
